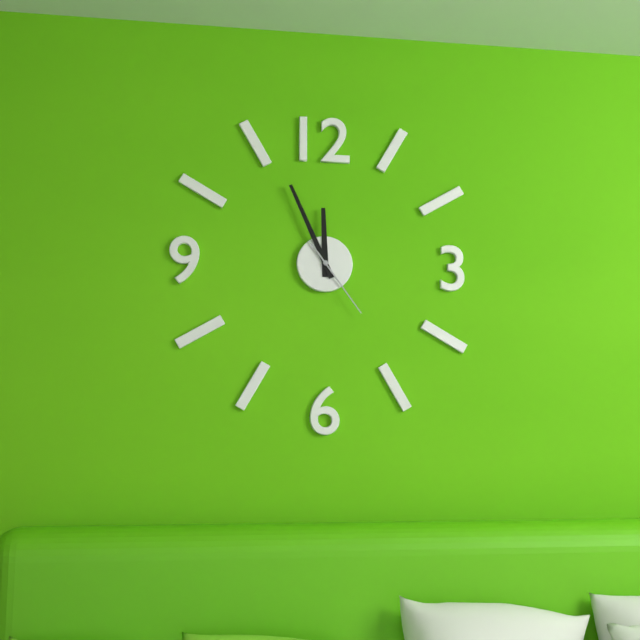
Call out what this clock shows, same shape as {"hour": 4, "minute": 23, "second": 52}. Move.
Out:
{"hour": 11, "minute": 56, "second": 24}
